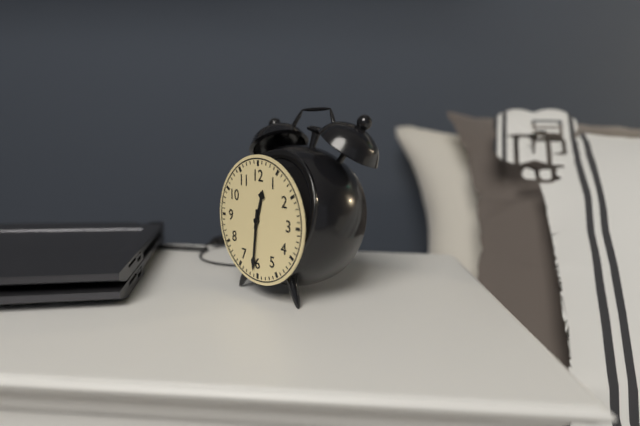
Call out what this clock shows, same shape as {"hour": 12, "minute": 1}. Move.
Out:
{"hour": 12, "minute": 31}
